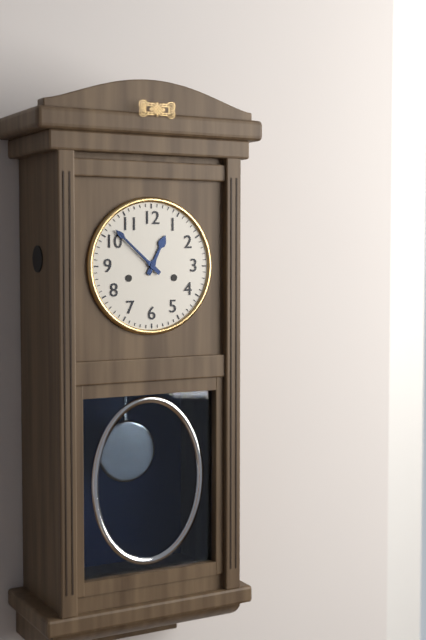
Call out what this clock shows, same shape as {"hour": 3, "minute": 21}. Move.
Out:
{"hour": 12, "minute": 52}
